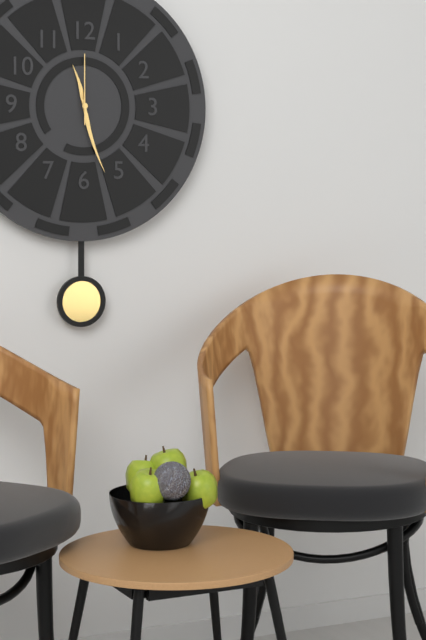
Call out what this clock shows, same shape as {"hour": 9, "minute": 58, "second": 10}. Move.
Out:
{"hour": 11, "minute": 27, "second": 0}
